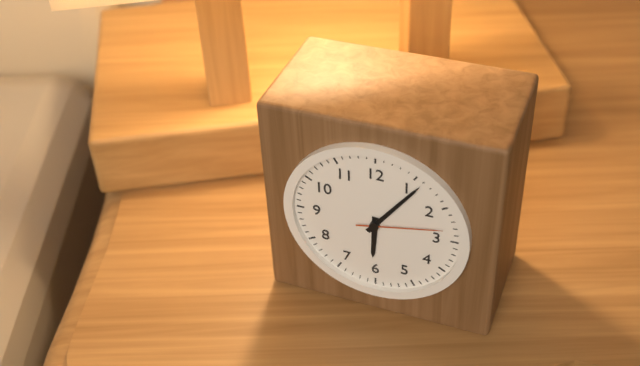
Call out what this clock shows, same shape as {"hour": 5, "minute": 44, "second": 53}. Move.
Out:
{"hour": 6, "minute": 6, "second": 13}
